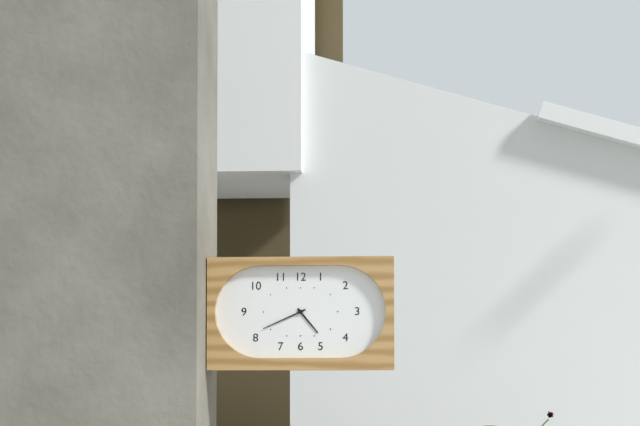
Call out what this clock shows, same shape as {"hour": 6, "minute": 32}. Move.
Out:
{"hour": 4, "minute": 41}
